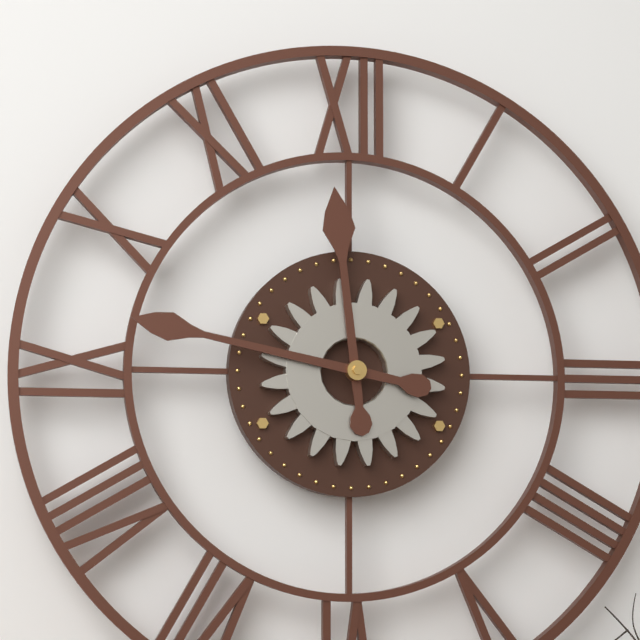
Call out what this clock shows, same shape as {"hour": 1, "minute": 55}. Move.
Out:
{"hour": 11, "minute": 47}
